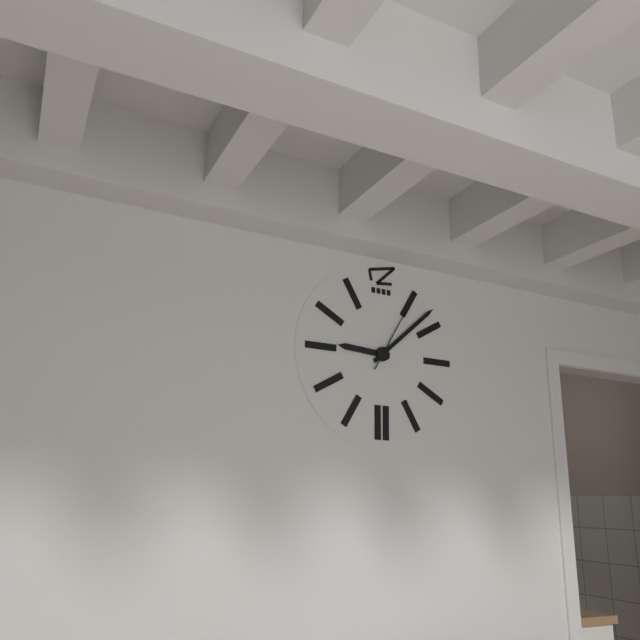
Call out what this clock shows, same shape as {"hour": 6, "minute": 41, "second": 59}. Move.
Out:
{"hour": 9, "minute": 8, "second": 5}
